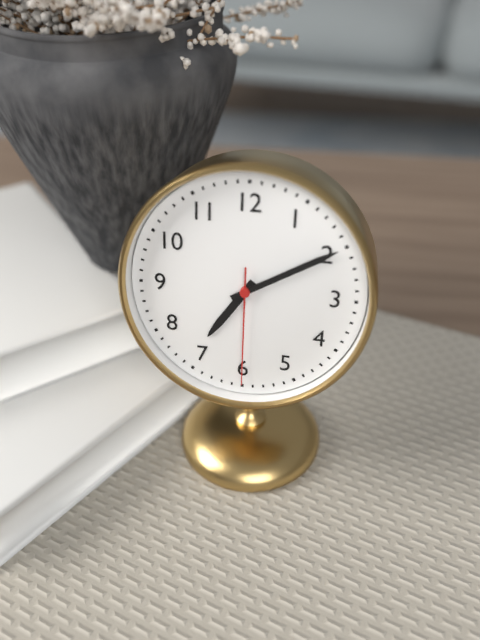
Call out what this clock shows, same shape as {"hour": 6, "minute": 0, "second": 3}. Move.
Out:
{"hour": 7, "minute": 10, "second": 30}
